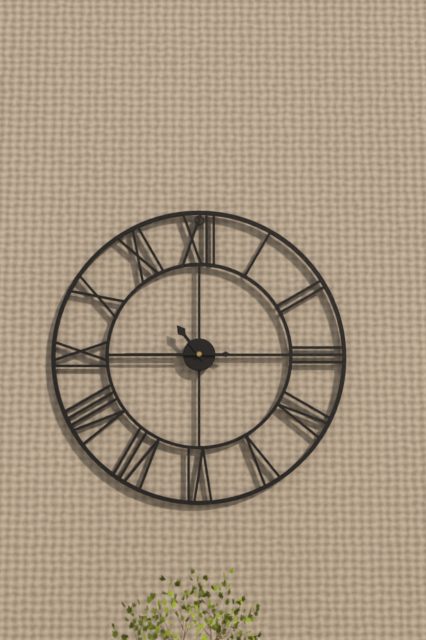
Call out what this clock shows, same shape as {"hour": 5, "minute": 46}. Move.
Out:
{"hour": 10, "minute": 45}
